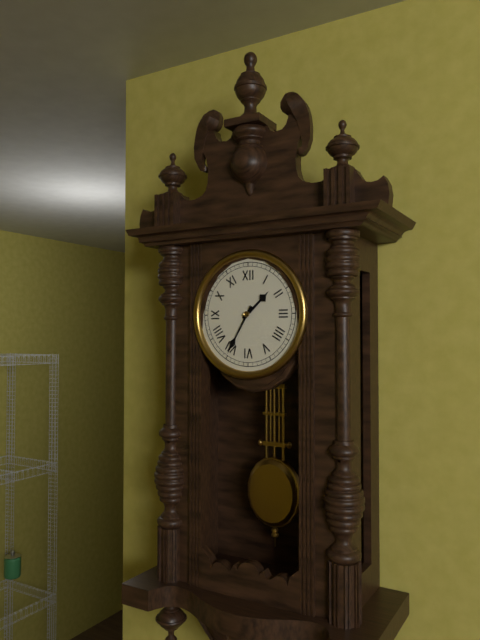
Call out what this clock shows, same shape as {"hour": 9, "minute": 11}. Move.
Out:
{"hour": 1, "minute": 35}
